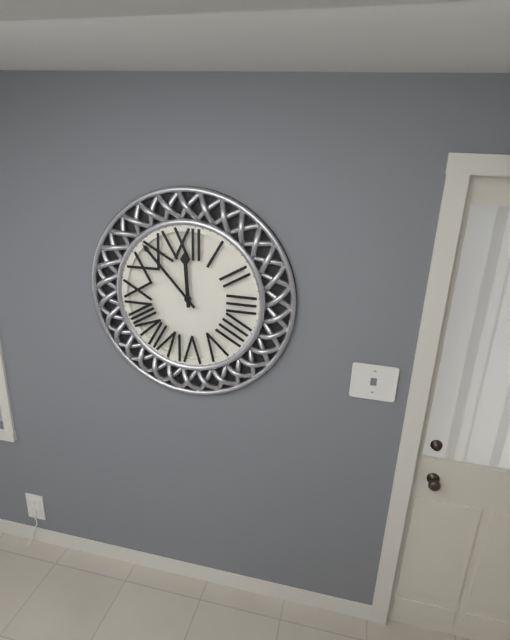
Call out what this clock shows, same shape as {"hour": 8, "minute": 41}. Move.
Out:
{"hour": 11, "minute": 53}
